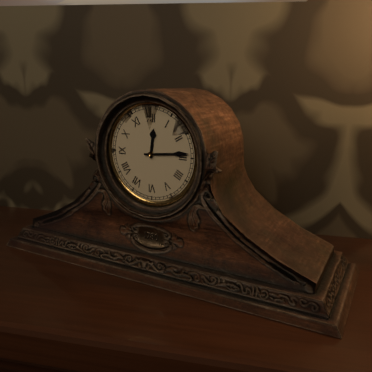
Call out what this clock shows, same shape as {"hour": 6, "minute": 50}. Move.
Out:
{"hour": 12, "minute": 14}
